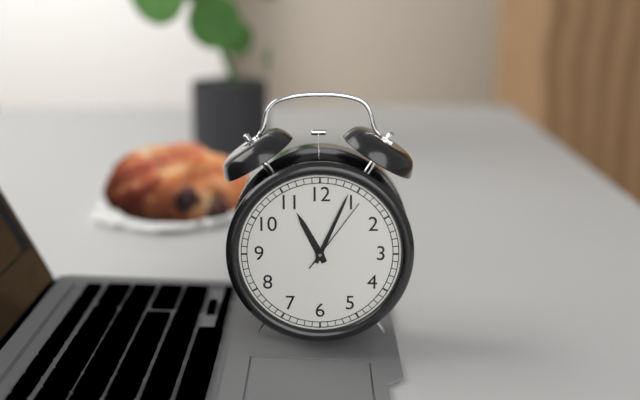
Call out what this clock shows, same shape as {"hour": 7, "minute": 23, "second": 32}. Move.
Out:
{"hour": 11, "minute": 4, "second": 6}
